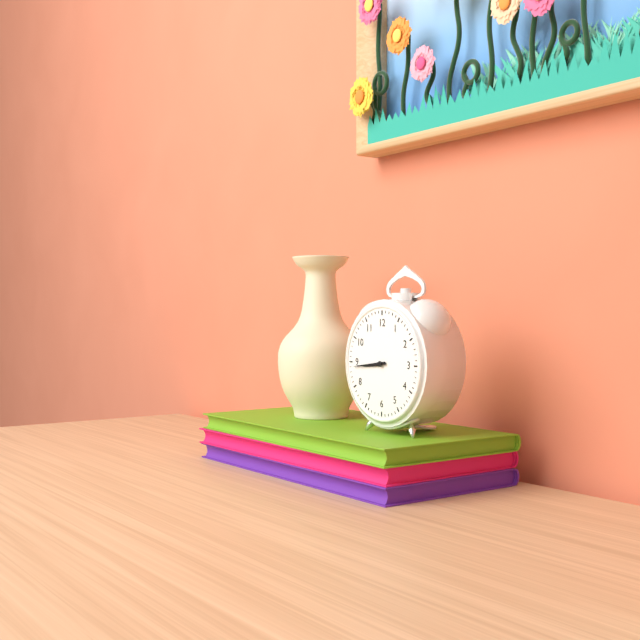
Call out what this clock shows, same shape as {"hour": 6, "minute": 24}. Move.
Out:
{"hour": 8, "minute": 44}
